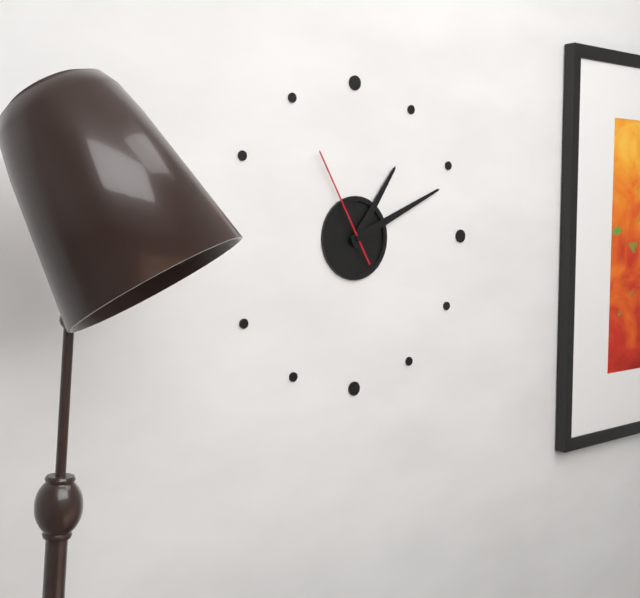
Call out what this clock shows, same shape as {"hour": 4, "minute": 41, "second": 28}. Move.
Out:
{"hour": 1, "minute": 11, "second": 55}
